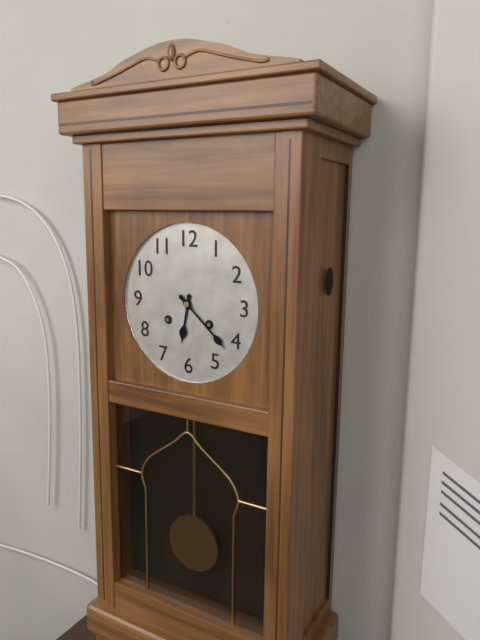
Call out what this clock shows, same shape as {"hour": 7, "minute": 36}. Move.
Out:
{"hour": 6, "minute": 22}
